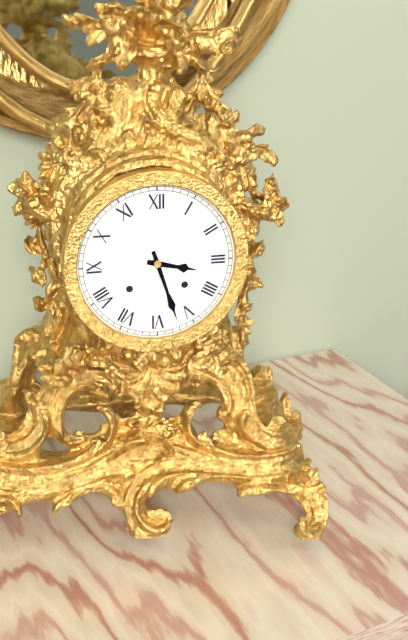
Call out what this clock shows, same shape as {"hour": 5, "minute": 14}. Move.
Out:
{"hour": 3, "minute": 27}
